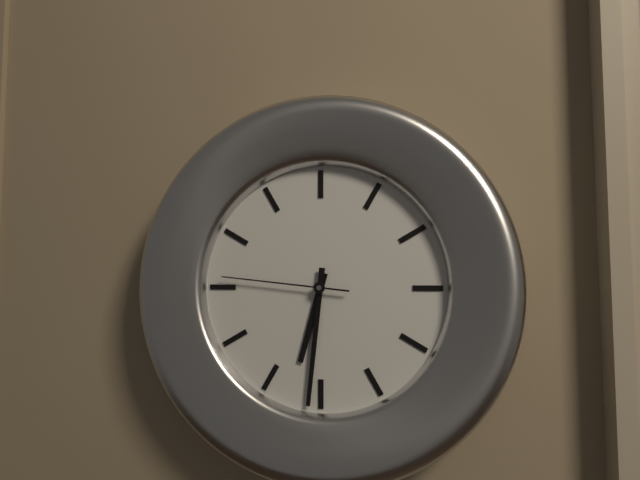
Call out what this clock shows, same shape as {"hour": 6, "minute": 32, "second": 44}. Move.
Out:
{"hour": 6, "minute": 31, "second": 46}
